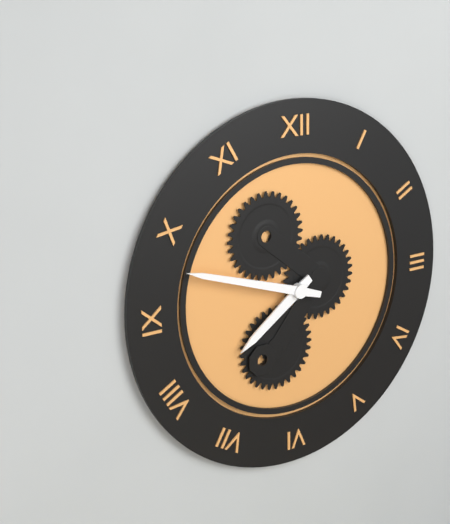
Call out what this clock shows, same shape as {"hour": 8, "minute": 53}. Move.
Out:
{"hour": 7, "minute": 48}
